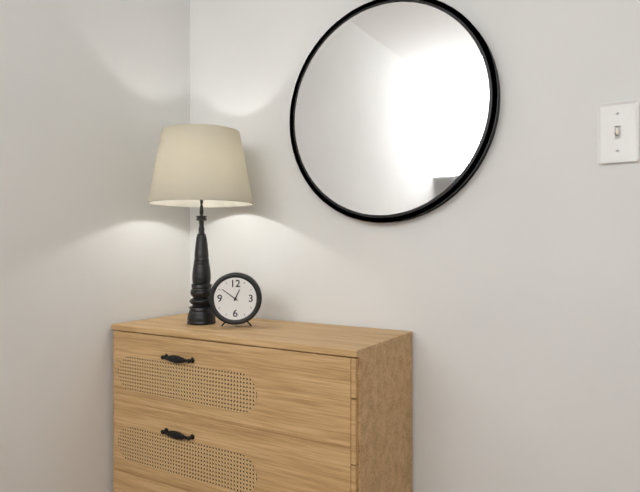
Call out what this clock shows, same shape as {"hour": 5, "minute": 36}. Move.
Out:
{"hour": 12, "minute": 51}
